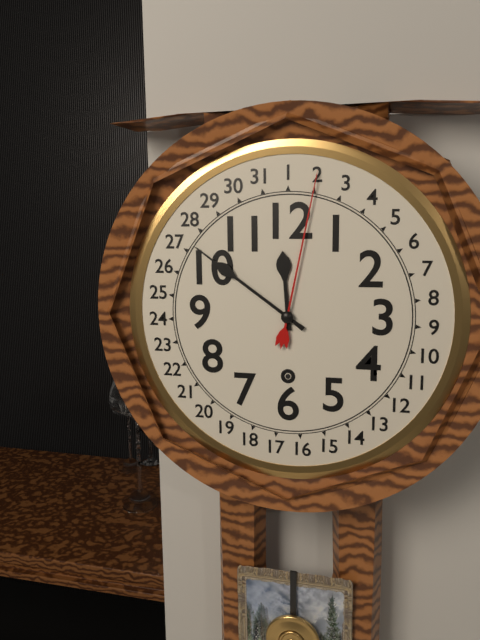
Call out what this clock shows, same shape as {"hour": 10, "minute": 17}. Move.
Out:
{"hour": 11, "minute": 51}
